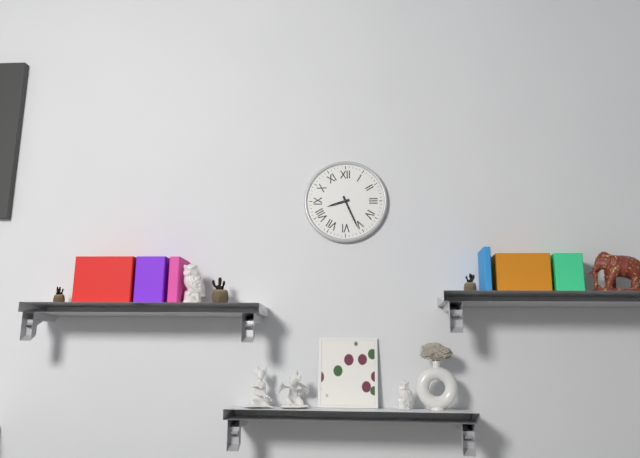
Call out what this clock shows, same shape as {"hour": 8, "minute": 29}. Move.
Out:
{"hour": 8, "minute": 26}
